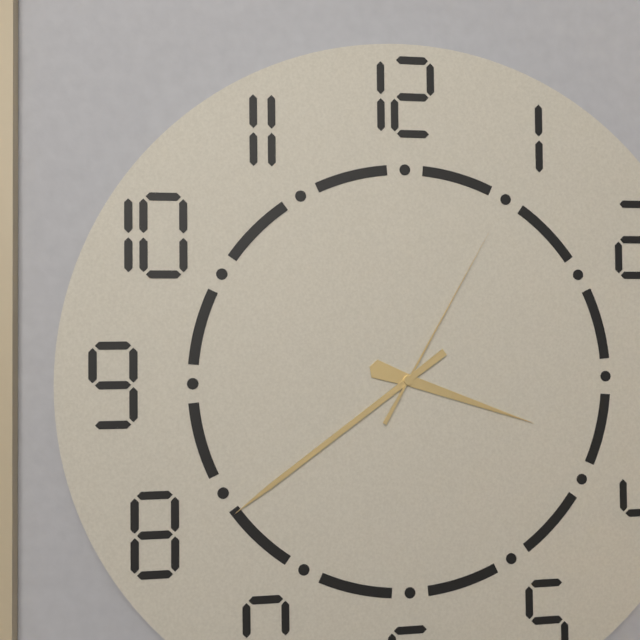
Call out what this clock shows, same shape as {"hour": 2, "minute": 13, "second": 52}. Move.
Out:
{"hour": 3, "minute": 39, "second": 5}
